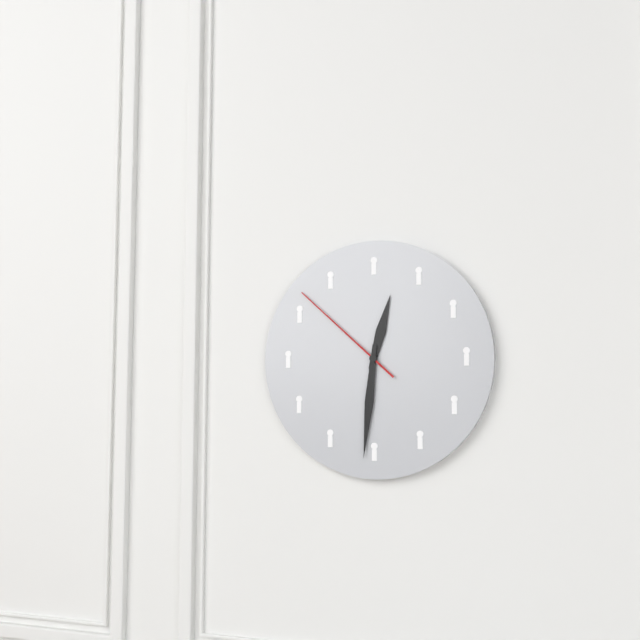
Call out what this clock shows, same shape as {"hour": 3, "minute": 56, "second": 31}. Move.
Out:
{"hour": 12, "minute": 31, "second": 52}
